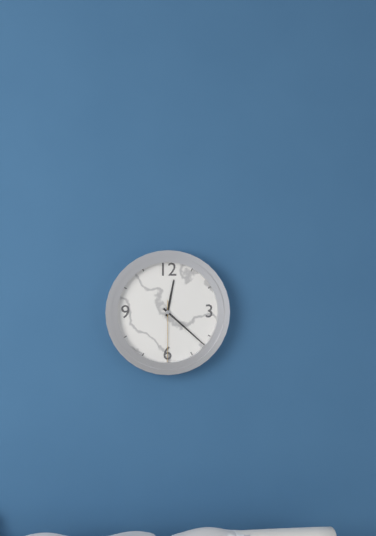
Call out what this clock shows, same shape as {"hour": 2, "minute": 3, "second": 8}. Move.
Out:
{"hour": 12, "minute": 22, "second": 30}
